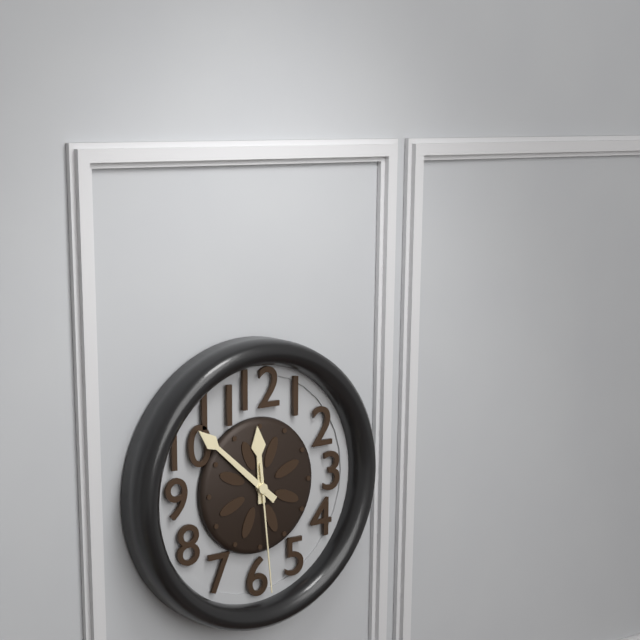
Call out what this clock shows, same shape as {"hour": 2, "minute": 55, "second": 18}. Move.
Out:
{"hour": 11, "minute": 52, "second": 29}
